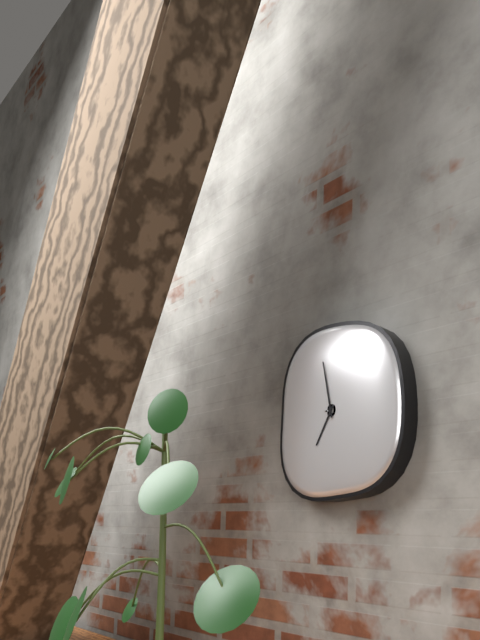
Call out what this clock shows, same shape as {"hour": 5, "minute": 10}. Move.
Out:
{"hour": 6, "minute": 58}
